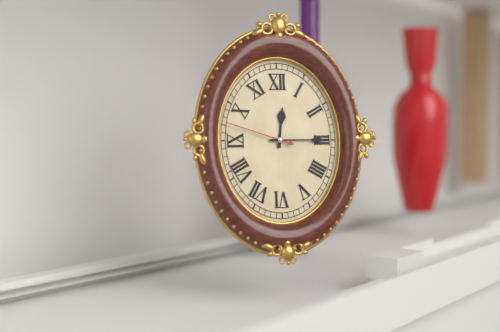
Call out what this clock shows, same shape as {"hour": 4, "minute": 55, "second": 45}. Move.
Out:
{"hour": 12, "minute": 15, "second": 48}
